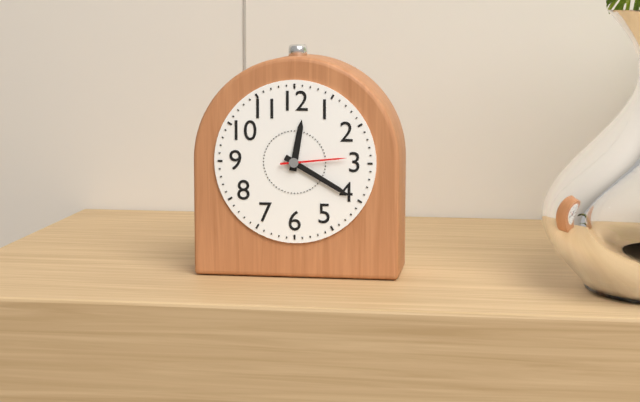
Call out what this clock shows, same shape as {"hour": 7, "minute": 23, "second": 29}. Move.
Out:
{"hour": 12, "minute": 20, "second": 14}
